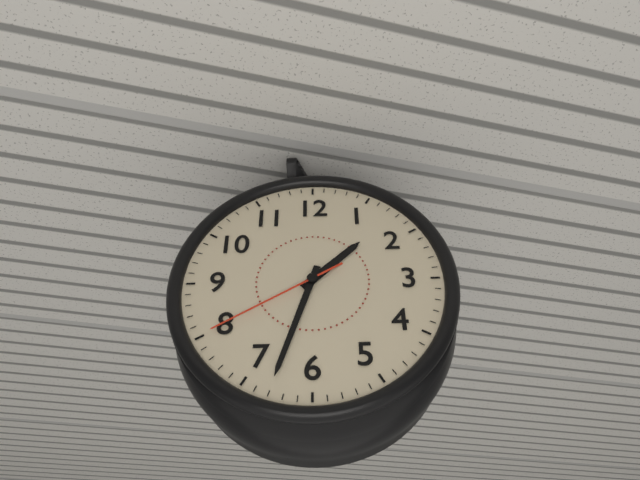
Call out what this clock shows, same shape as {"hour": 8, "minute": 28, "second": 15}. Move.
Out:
{"hour": 1, "minute": 33, "second": 40}
